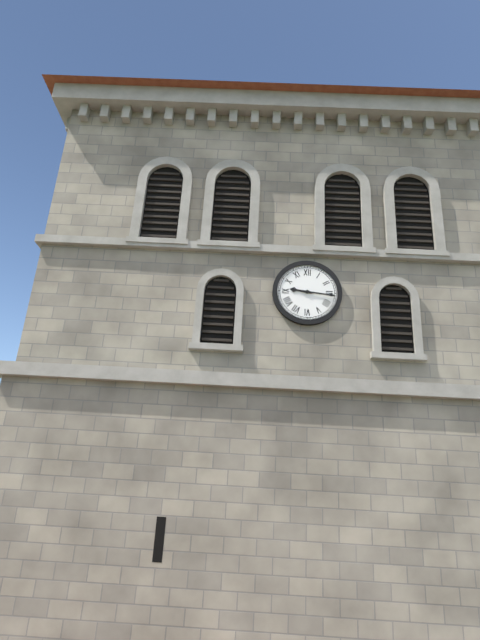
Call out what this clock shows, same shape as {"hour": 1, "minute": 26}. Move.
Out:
{"hour": 9, "minute": 16}
